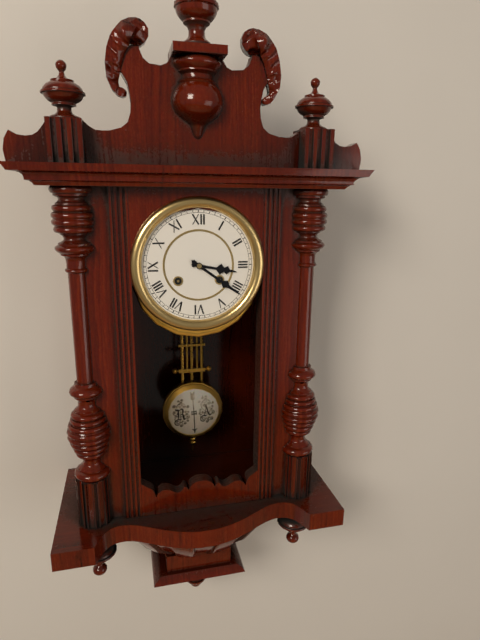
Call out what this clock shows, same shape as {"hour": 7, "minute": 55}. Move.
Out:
{"hour": 3, "minute": 21}
